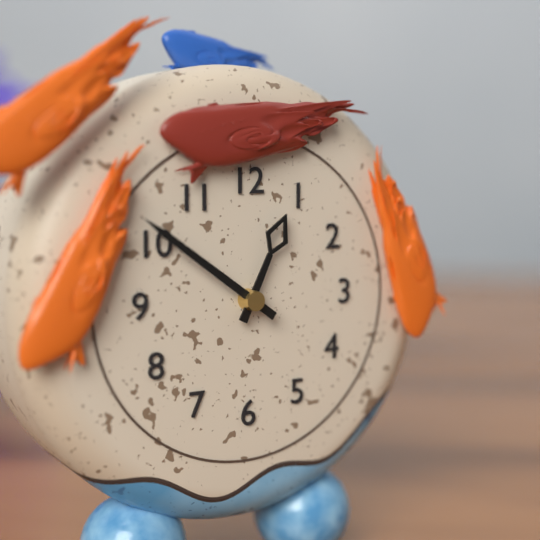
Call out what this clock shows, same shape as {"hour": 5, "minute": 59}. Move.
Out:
{"hour": 12, "minute": 51}
